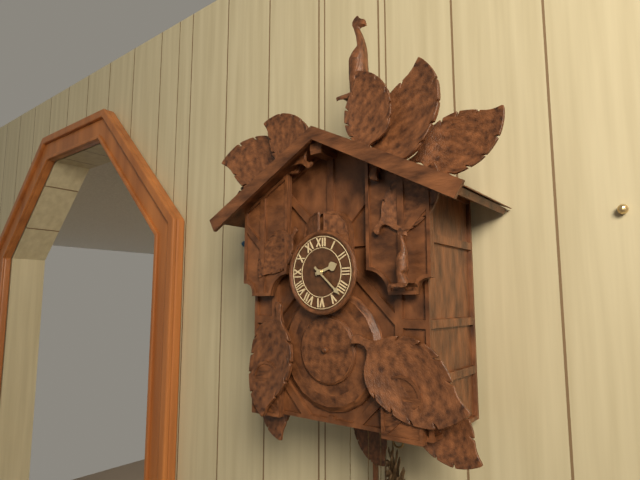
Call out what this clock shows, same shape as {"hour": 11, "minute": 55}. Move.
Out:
{"hour": 2, "minute": 22}
